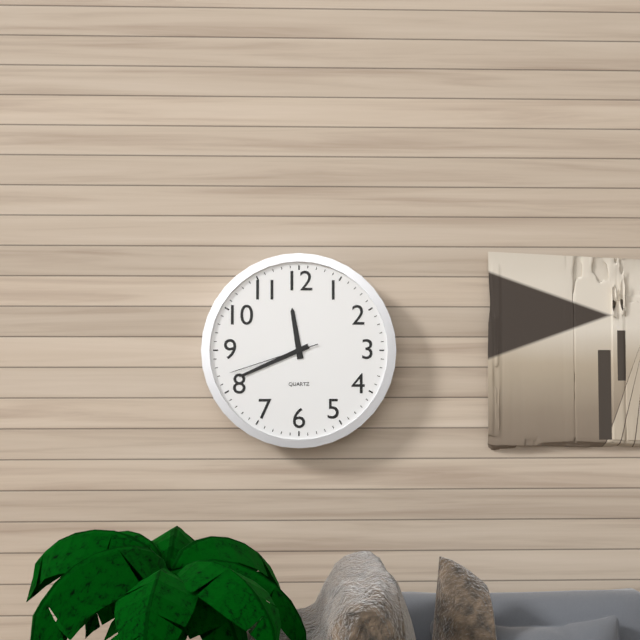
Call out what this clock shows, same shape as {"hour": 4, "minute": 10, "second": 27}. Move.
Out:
{"hour": 11, "minute": 41, "second": 42}
